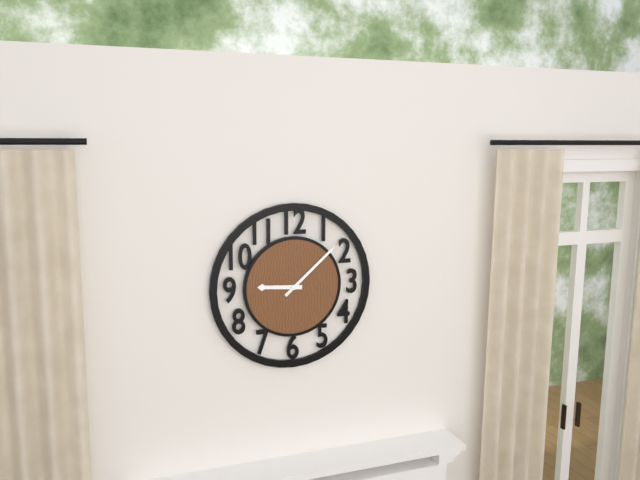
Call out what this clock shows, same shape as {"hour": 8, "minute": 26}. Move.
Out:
{"hour": 9, "minute": 8}
